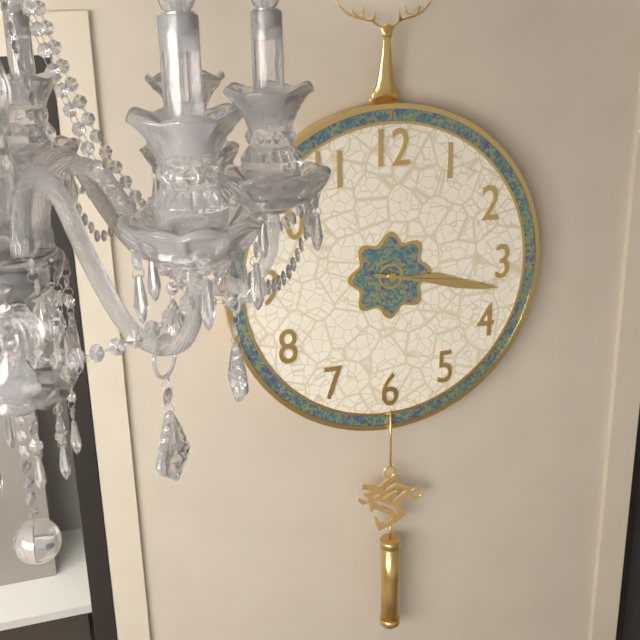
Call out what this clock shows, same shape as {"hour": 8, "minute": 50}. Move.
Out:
{"hour": 3, "minute": 17}
